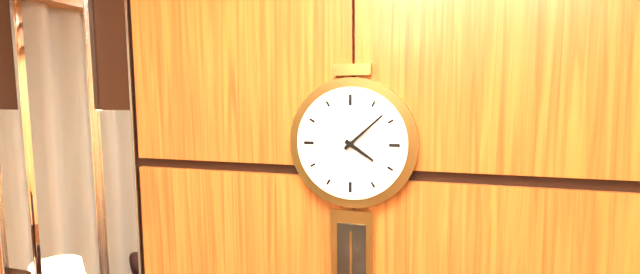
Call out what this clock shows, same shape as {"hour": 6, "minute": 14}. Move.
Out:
{"hour": 4, "minute": 8}
